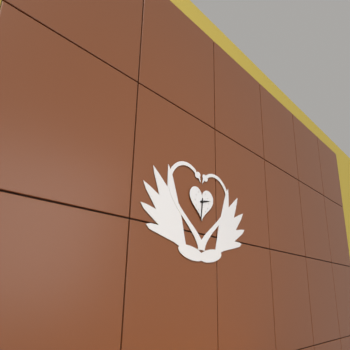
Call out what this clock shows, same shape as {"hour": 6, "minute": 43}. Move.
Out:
{"hour": 2, "minute": 31}
